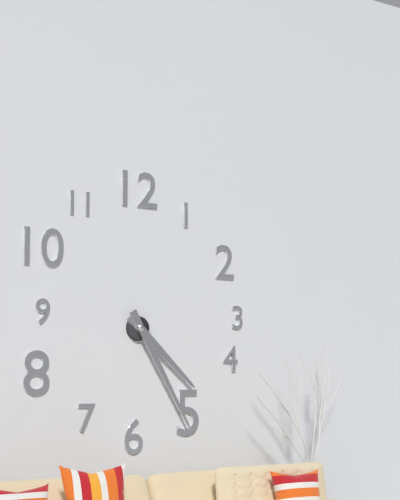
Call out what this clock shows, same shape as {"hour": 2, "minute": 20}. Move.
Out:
{"hour": 4, "minute": 25}
